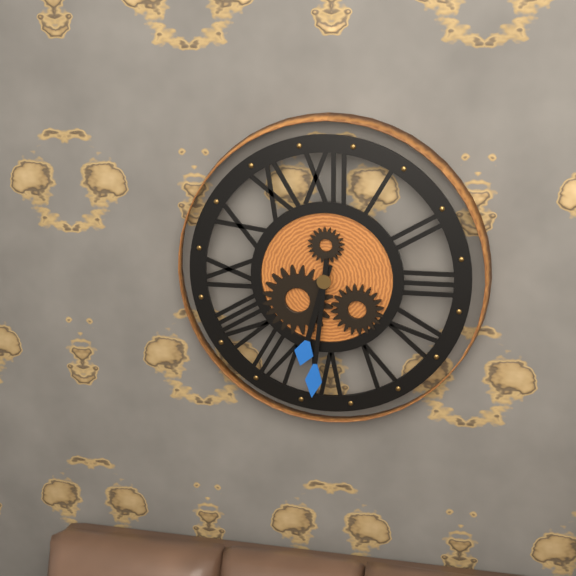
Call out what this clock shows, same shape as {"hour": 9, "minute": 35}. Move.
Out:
{"hour": 6, "minute": 31}
